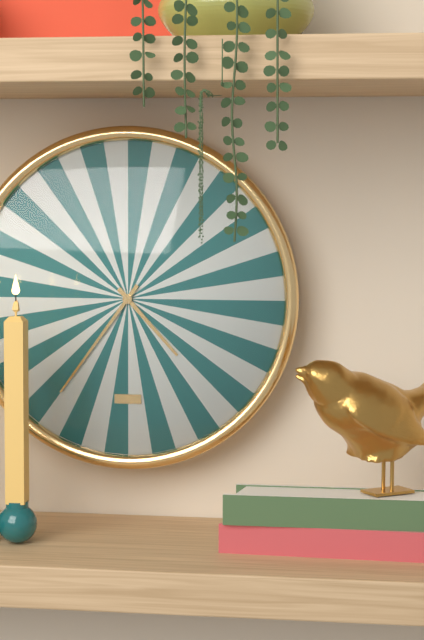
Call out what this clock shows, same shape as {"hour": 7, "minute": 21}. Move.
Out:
{"hour": 4, "minute": 36}
